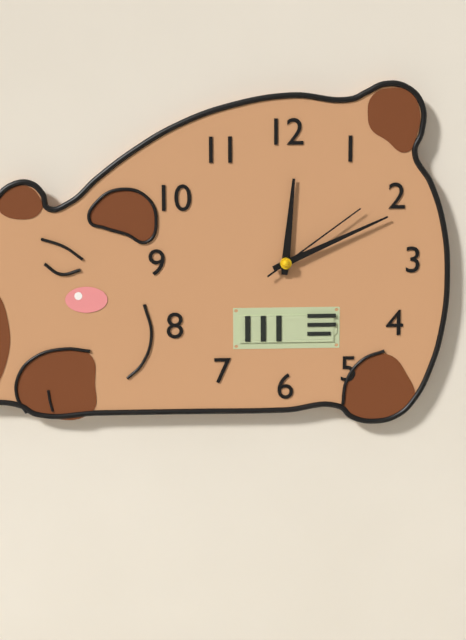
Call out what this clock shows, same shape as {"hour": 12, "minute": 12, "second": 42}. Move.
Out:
{"hour": 12, "minute": 11, "second": 9}
